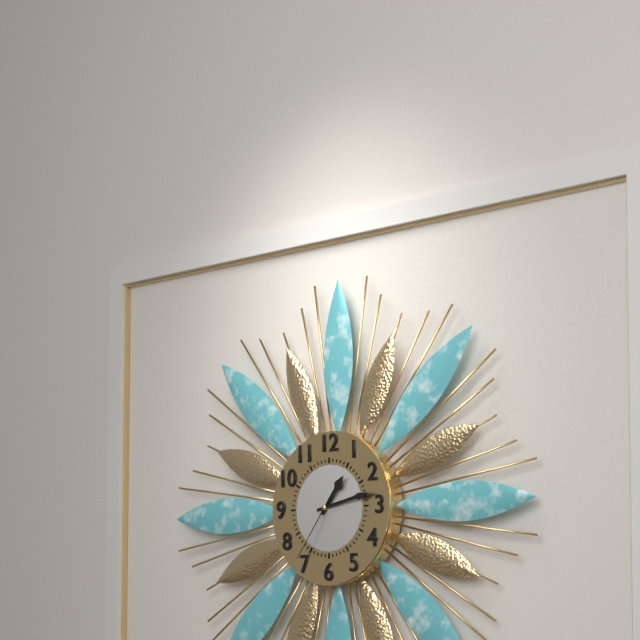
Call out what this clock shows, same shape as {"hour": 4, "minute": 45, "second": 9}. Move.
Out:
{"hour": 1, "minute": 13, "second": 36}
